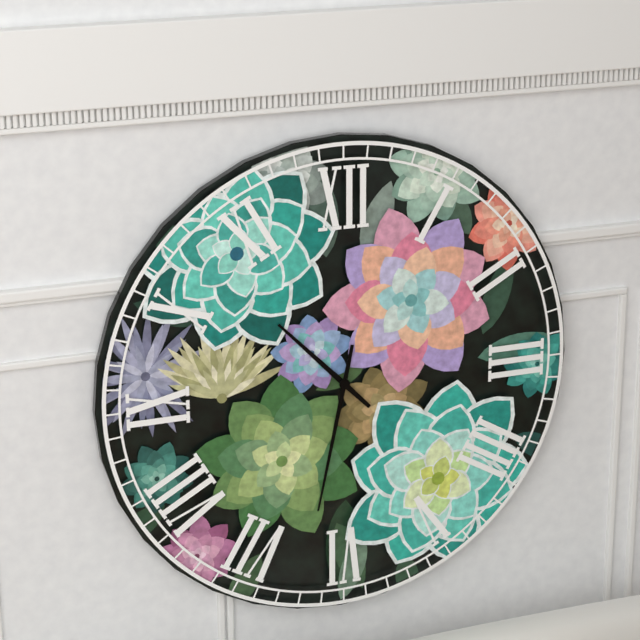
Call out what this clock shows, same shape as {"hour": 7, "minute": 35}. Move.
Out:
{"hour": 10, "minute": 32}
